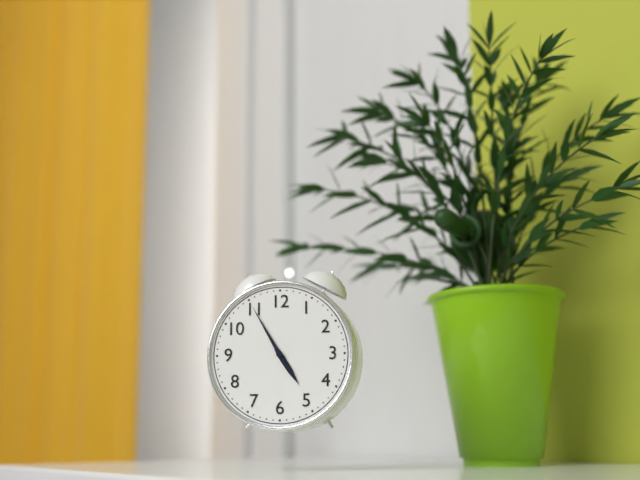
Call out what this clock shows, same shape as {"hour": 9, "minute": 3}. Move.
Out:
{"hour": 4, "minute": 55}
